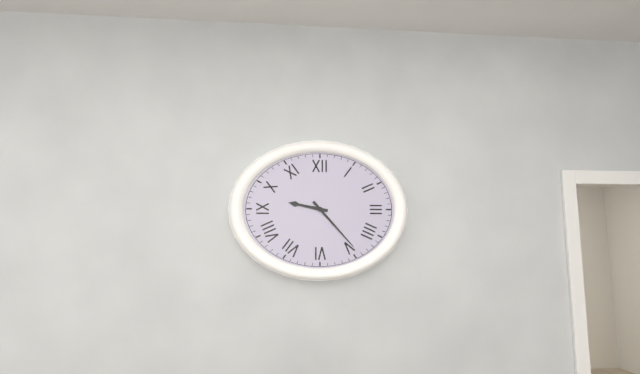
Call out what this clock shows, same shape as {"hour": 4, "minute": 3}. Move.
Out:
{"hour": 9, "minute": 23}
